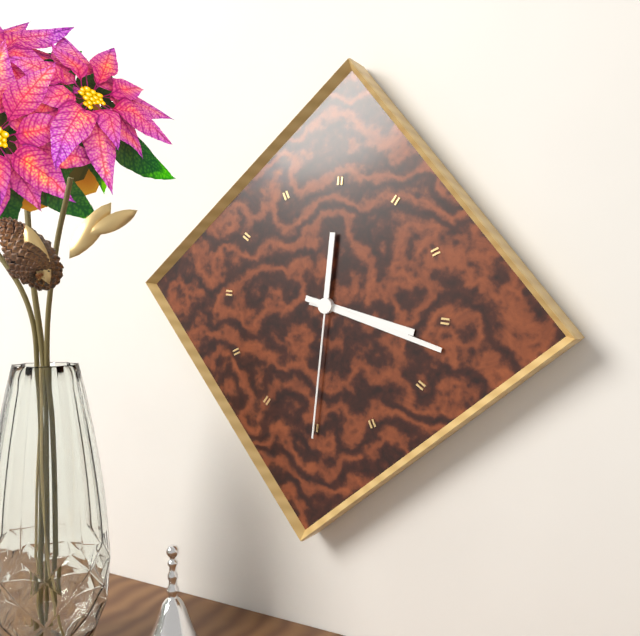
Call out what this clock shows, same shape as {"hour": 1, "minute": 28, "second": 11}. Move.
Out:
{"hour": 3, "minute": 17, "second": 30}
